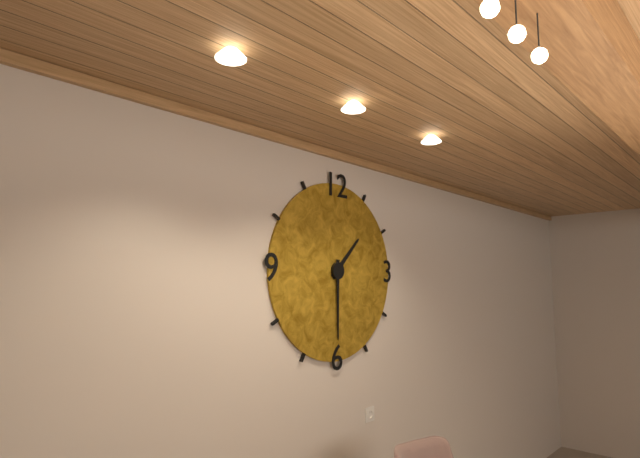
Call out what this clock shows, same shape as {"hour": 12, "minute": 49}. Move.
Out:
{"hour": 1, "minute": 30}
